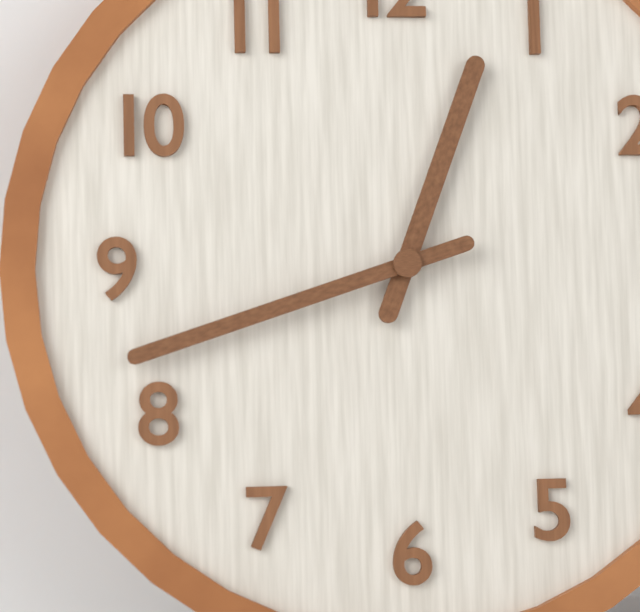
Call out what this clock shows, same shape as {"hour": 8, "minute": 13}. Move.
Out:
{"hour": 12, "minute": 42}
